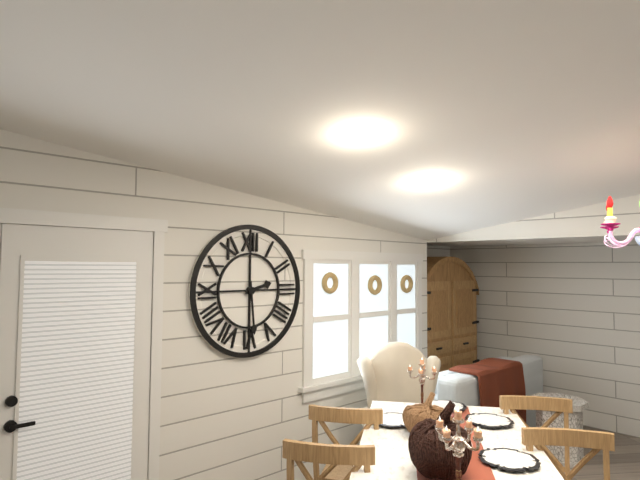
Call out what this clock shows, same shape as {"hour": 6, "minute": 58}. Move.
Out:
{"hour": 2, "minute": 29}
